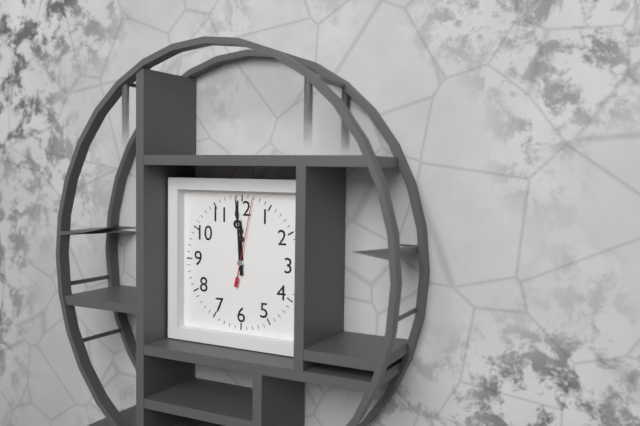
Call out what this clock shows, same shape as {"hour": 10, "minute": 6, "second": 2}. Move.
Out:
{"hour": 11, "minute": 59, "second": 2}
